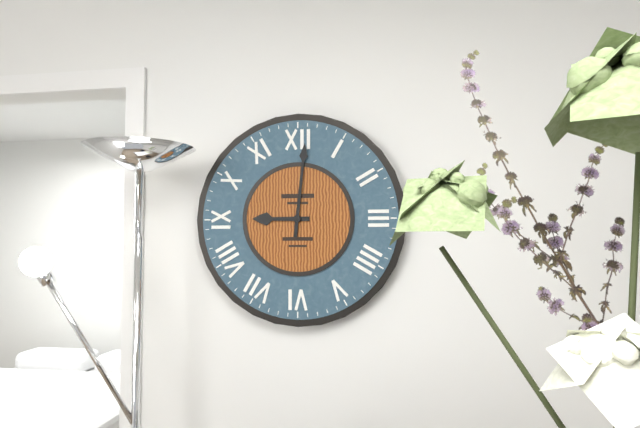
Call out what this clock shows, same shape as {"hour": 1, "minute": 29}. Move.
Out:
{"hour": 9, "minute": 1}
